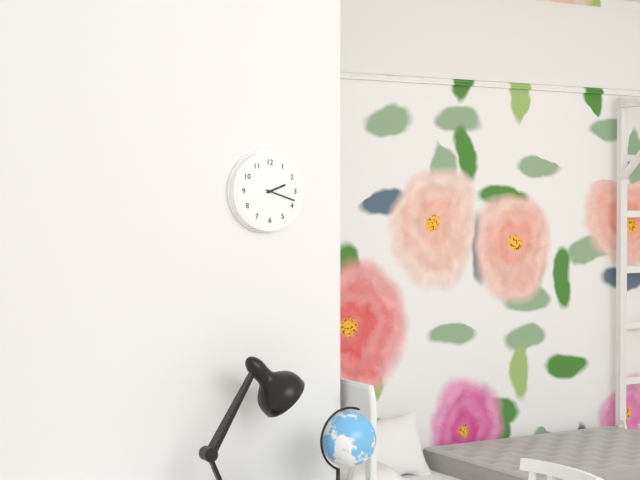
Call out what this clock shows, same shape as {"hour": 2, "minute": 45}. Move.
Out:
{"hour": 2, "minute": 18}
